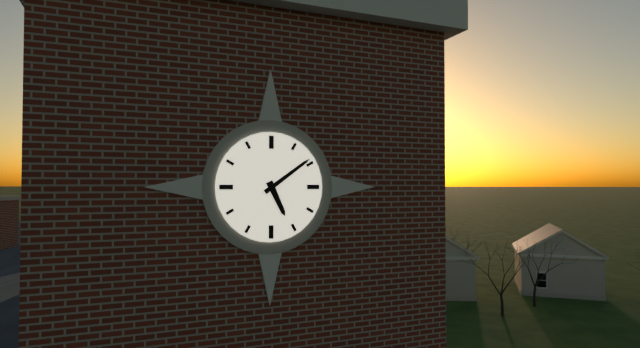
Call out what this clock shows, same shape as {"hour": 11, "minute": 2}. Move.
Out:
{"hour": 5, "minute": 9}
